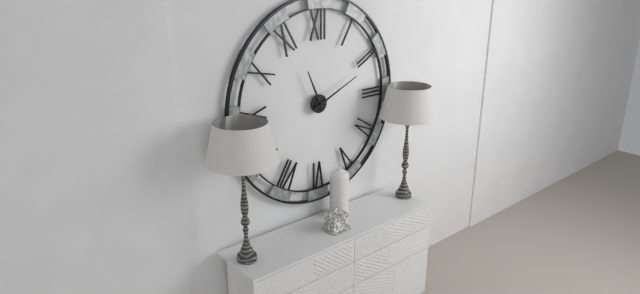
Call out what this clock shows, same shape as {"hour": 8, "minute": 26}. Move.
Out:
{"hour": 11, "minute": 11}
